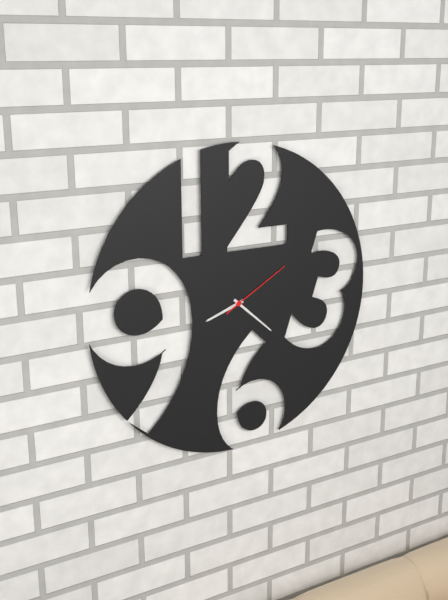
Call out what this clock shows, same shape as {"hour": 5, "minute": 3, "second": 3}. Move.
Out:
{"hour": 8, "minute": 22, "second": 10}
